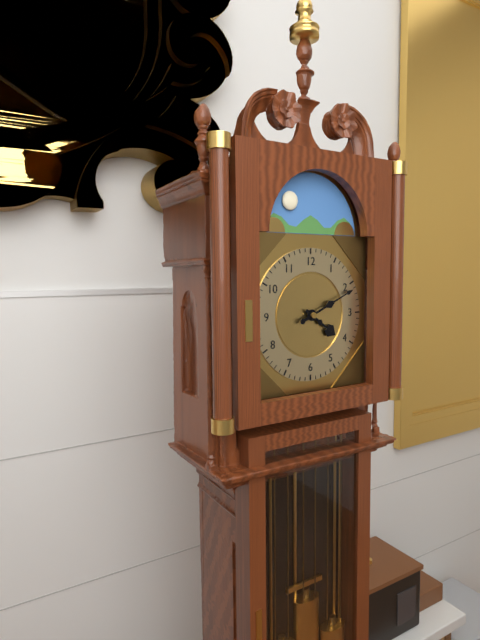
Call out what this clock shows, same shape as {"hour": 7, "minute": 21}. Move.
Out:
{"hour": 4, "minute": 11}
